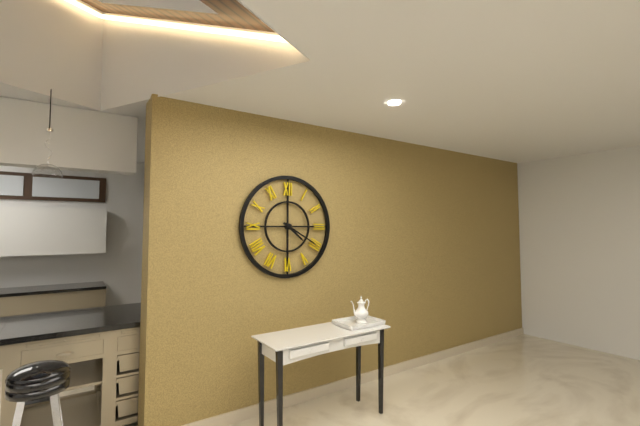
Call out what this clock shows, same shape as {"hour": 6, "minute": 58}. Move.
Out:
{"hour": 4, "minute": 20}
